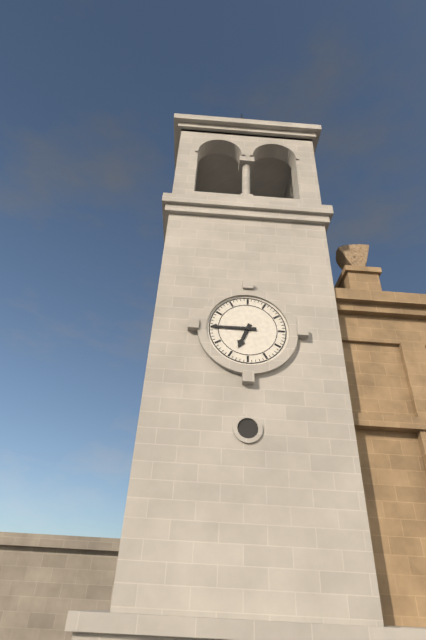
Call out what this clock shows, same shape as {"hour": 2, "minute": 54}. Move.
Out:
{"hour": 6, "minute": 45}
